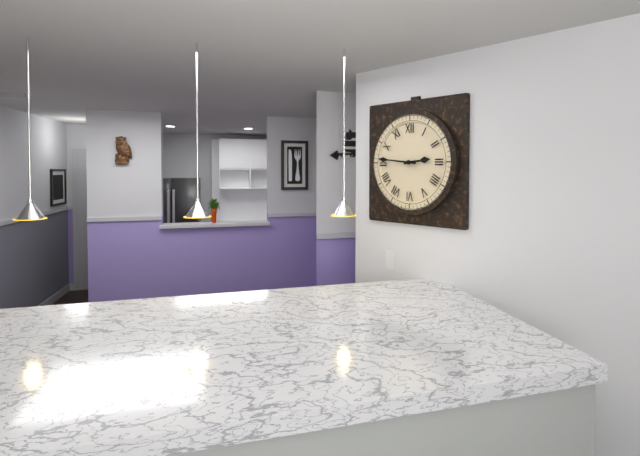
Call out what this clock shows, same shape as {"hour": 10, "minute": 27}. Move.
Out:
{"hour": 2, "minute": 46}
